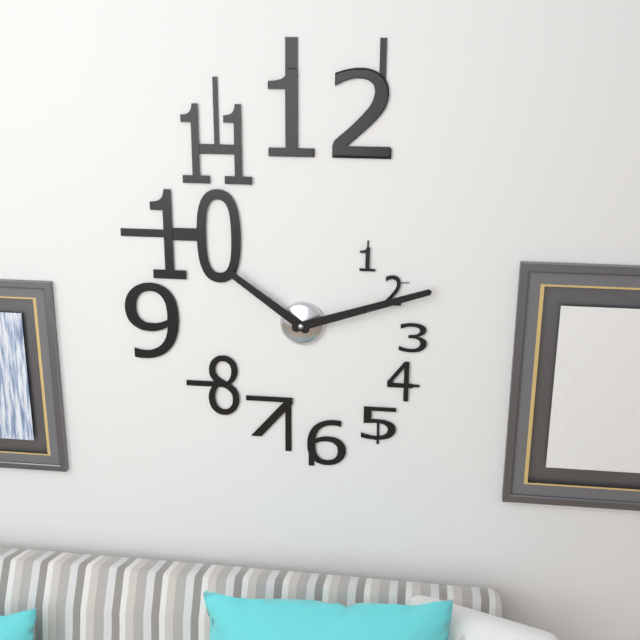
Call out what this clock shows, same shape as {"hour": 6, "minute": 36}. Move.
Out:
{"hour": 10, "minute": 12}
